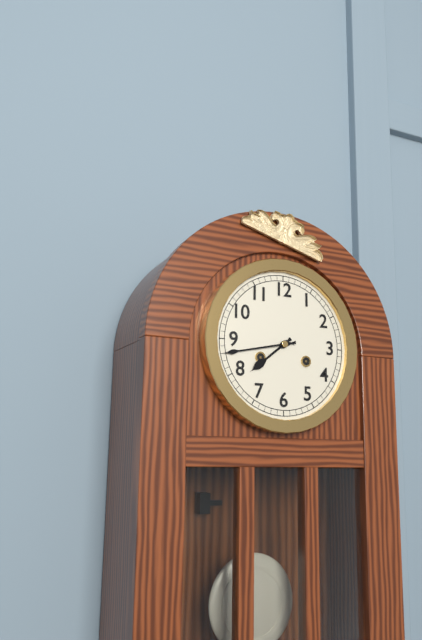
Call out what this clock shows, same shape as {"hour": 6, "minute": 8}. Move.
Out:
{"hour": 7, "minute": 43}
